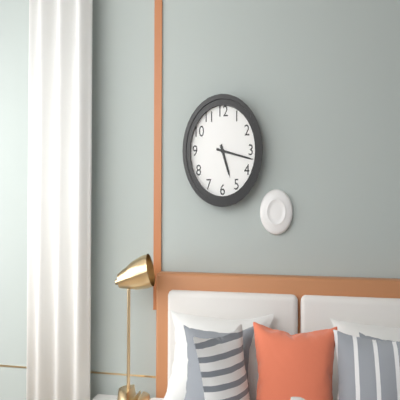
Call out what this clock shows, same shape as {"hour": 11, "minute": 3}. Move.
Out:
{"hour": 5, "minute": 17}
